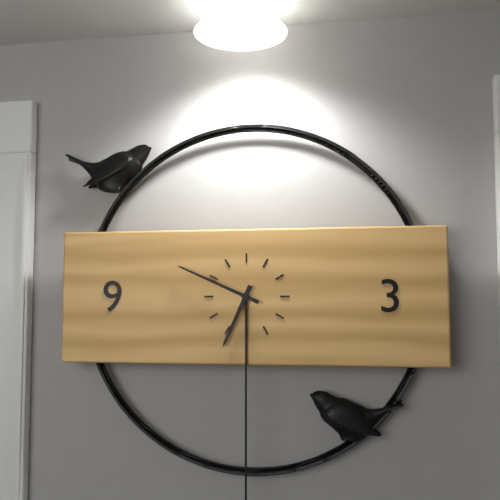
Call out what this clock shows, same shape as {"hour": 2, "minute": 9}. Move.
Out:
{"hour": 6, "minute": 49}
